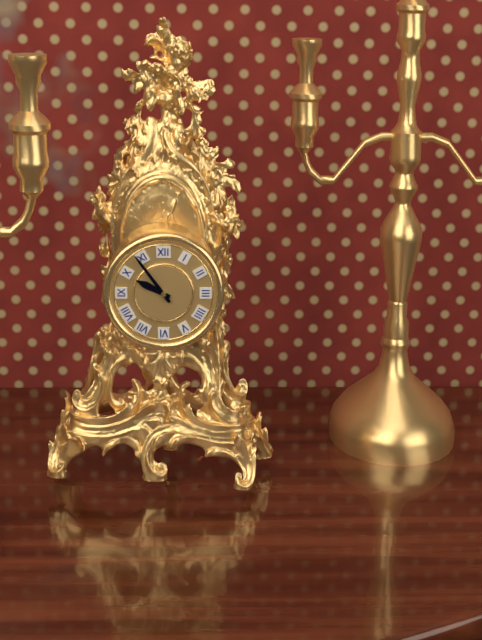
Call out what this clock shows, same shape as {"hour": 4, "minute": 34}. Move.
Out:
{"hour": 9, "minute": 54}
